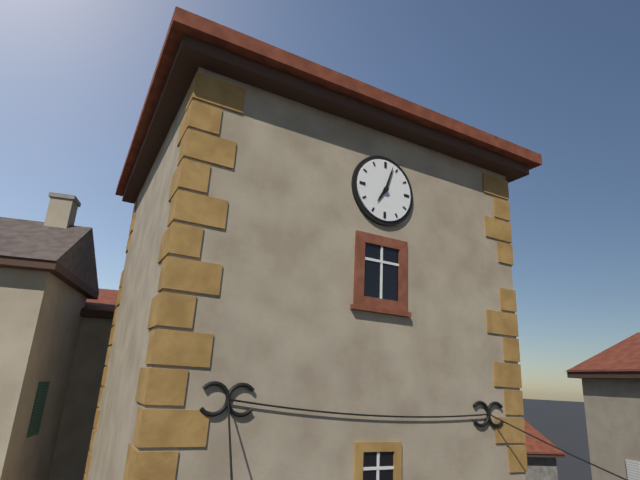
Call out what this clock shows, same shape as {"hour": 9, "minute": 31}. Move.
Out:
{"hour": 7, "minute": 3}
